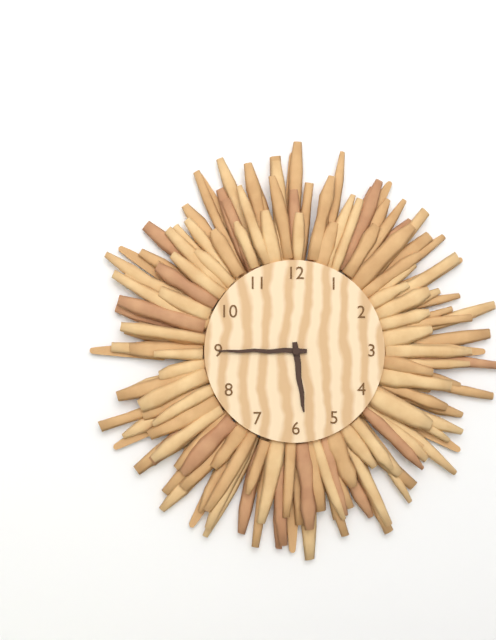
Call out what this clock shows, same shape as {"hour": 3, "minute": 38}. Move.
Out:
{"hour": 5, "minute": 45}
